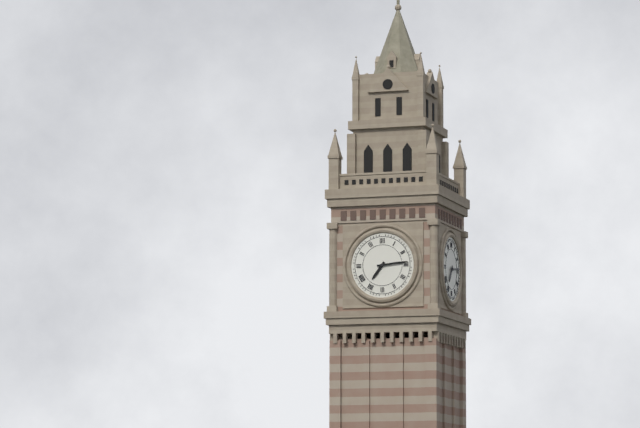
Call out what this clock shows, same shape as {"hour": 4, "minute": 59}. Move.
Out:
{"hour": 7, "minute": 14}
